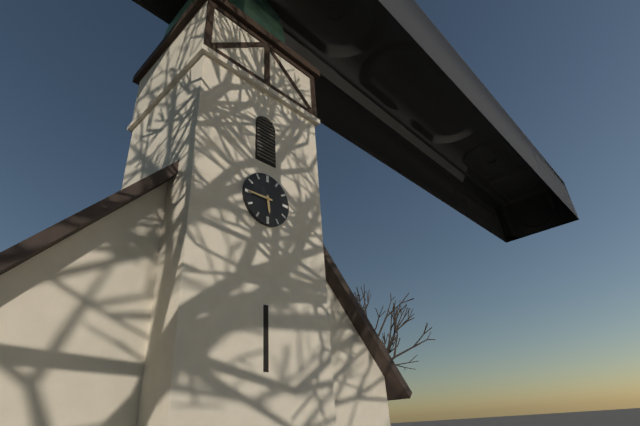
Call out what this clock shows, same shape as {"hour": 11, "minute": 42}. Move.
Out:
{"hour": 5, "minute": 45}
